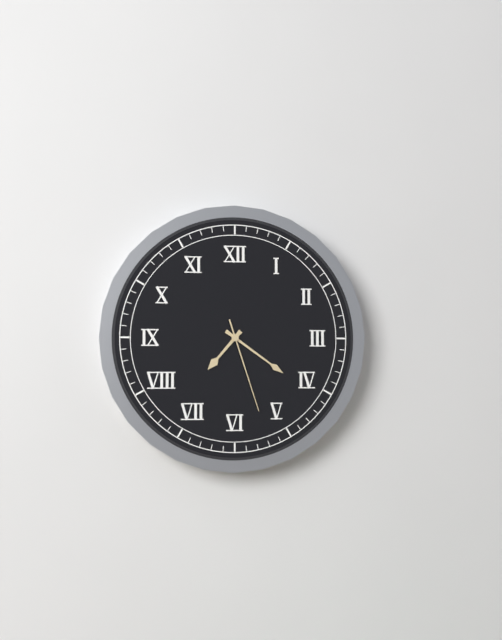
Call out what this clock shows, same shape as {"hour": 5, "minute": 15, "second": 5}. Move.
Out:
{"hour": 7, "minute": 21, "second": 27}
